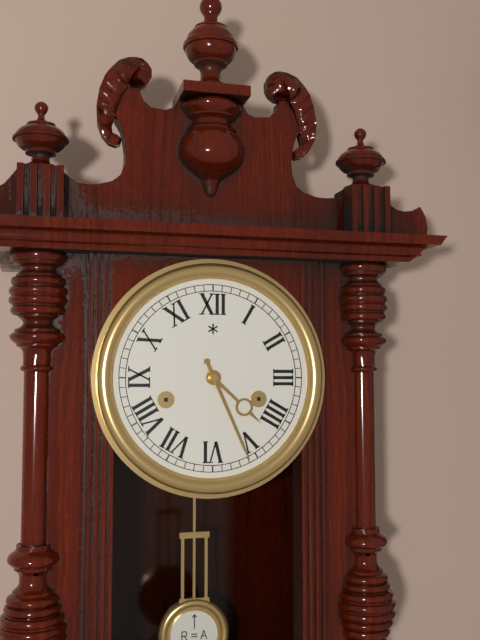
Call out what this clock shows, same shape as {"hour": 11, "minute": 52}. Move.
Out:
{"hour": 4, "minute": 26}
